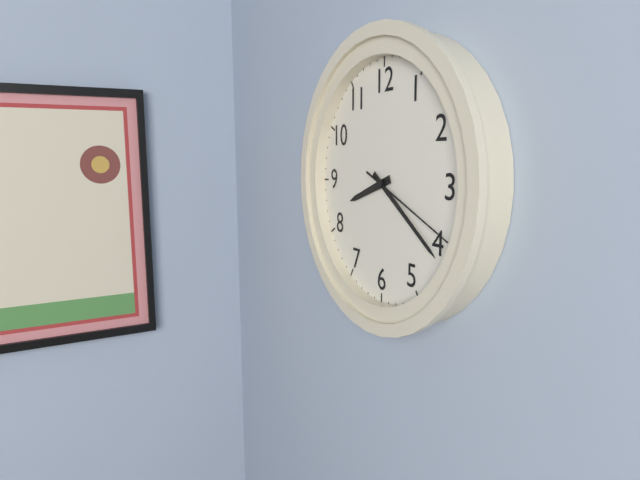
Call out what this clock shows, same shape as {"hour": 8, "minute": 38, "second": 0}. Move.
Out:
{"hour": 8, "minute": 21, "second": 19}
